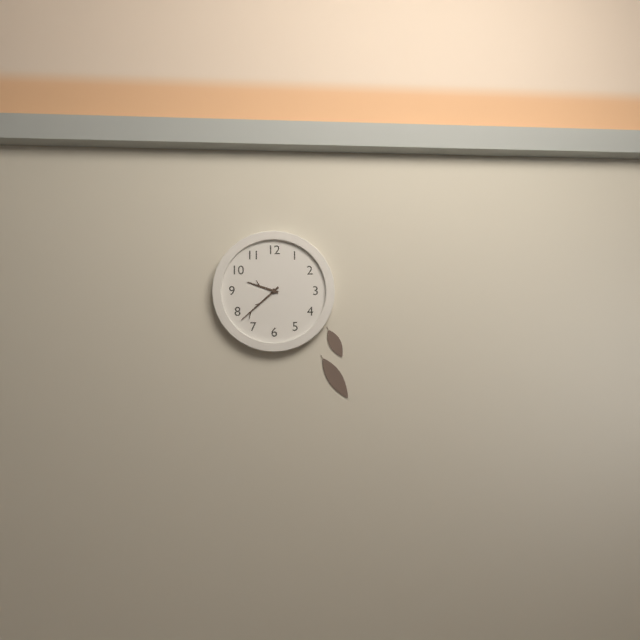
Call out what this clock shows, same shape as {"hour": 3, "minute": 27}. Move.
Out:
{"hour": 9, "minute": 38}
